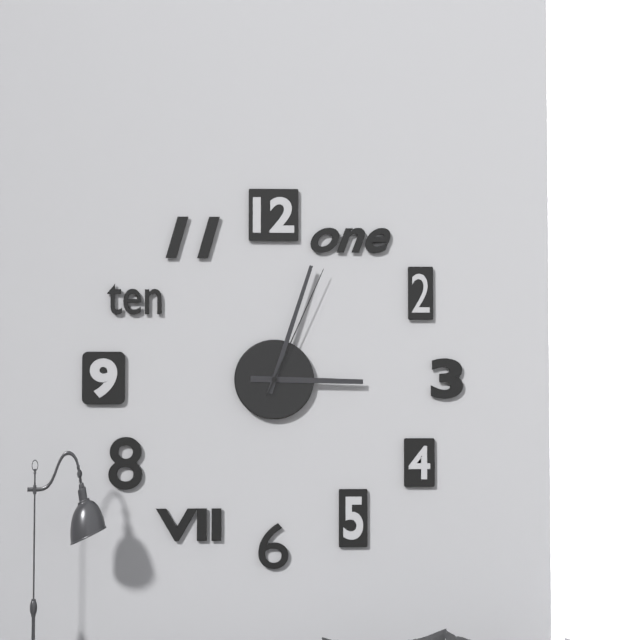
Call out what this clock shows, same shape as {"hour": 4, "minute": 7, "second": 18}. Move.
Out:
{"hour": 3, "minute": 3, "second": 4}
